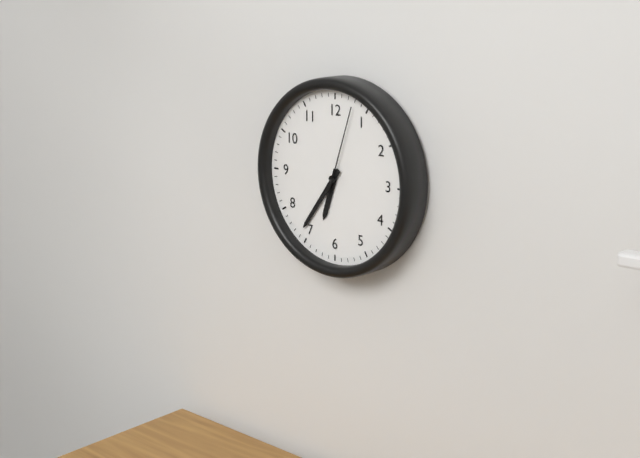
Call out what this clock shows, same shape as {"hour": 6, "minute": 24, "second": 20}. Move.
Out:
{"hour": 6, "minute": 36, "second": 3}
